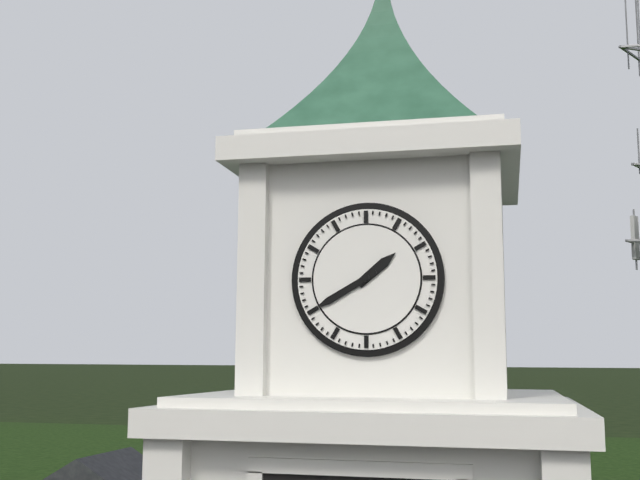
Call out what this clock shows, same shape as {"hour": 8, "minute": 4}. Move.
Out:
{"hour": 1, "minute": 40}
